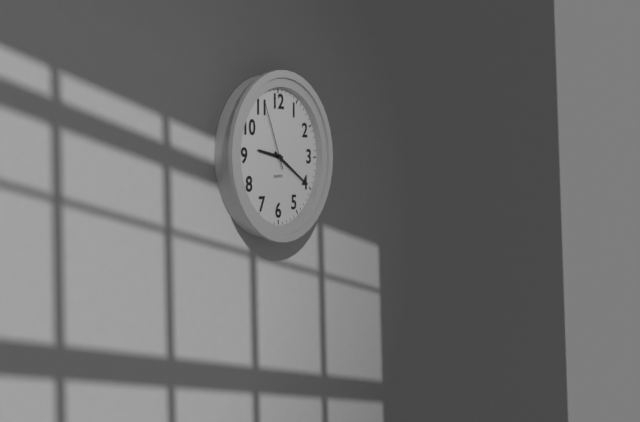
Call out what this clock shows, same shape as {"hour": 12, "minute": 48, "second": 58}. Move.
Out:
{"hour": 9, "minute": 20, "second": 56}
